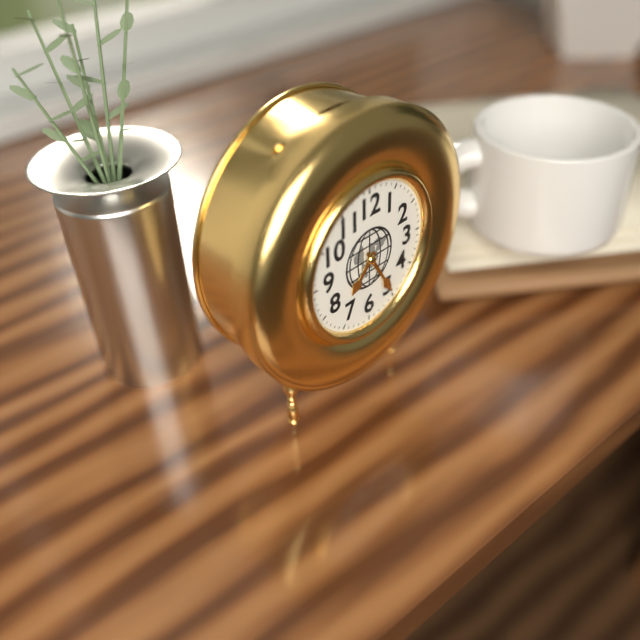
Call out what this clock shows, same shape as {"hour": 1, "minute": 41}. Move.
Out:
{"hour": 7, "minute": 25}
